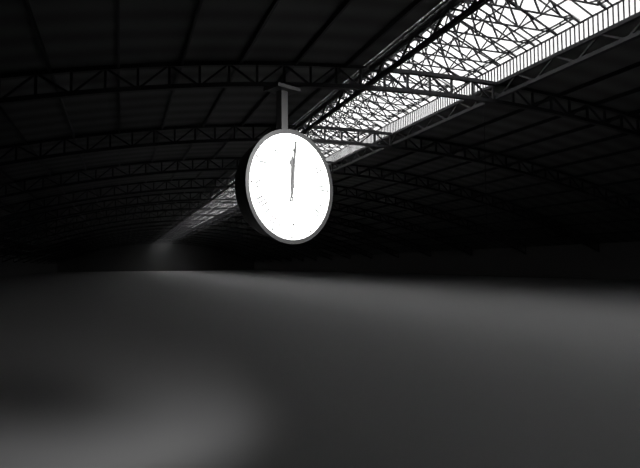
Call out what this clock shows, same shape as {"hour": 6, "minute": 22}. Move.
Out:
{"hour": 12, "minute": 1}
